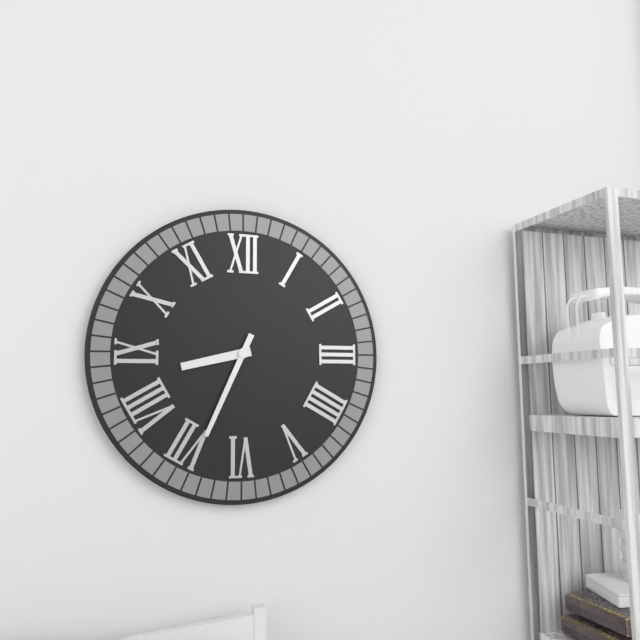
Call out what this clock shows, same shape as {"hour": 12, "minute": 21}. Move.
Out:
{"hour": 8, "minute": 34}
